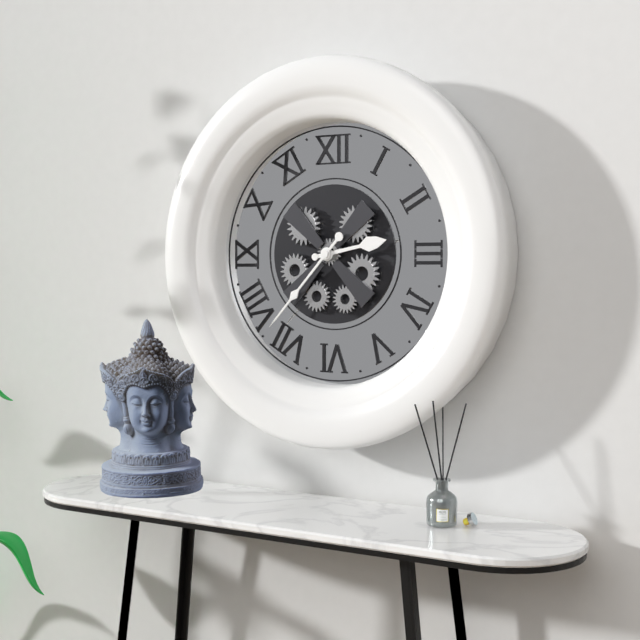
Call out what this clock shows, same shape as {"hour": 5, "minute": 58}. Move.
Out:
{"hour": 2, "minute": 37}
